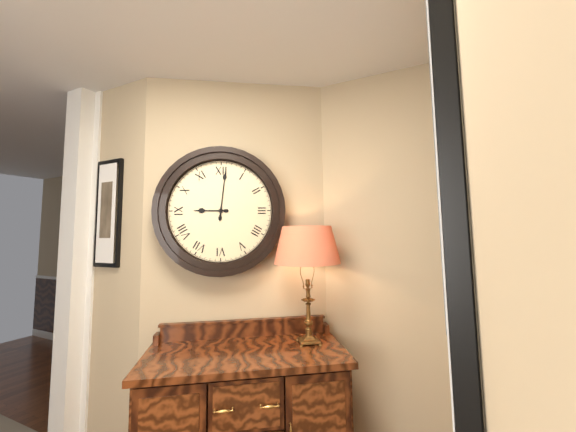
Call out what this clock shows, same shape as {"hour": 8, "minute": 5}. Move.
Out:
{"hour": 9, "minute": 1}
